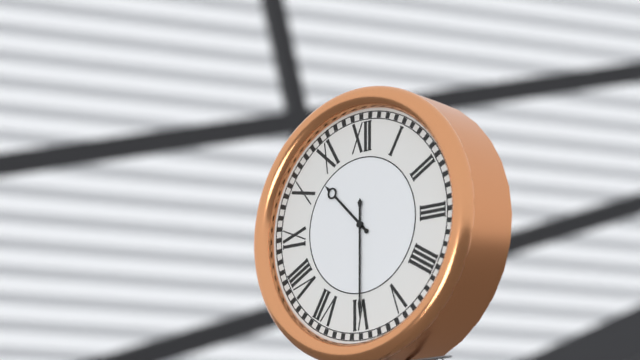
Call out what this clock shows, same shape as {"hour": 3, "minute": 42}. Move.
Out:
{"hour": 10, "minute": 30}
